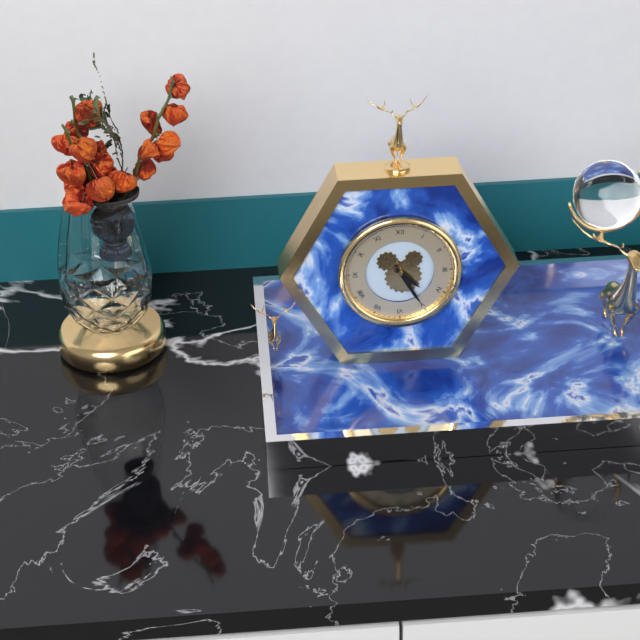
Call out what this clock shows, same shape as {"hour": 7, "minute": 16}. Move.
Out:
{"hour": 4, "minute": 25}
